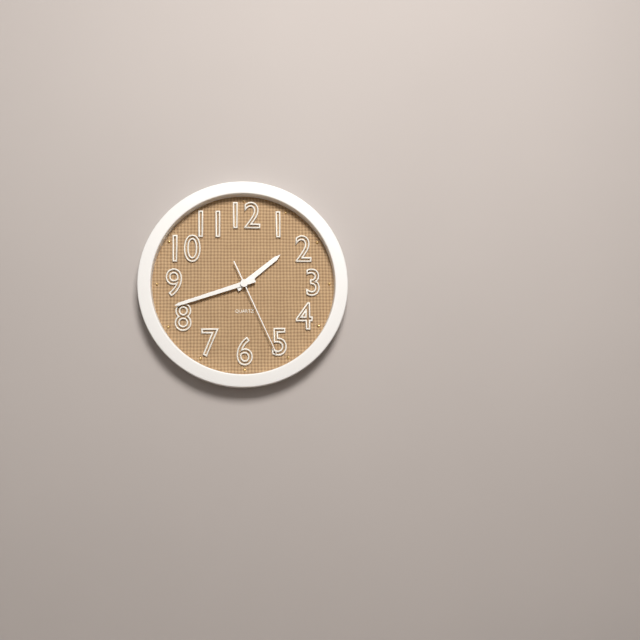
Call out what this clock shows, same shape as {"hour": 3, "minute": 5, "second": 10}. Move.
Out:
{"hour": 1, "minute": 42, "second": 26}
